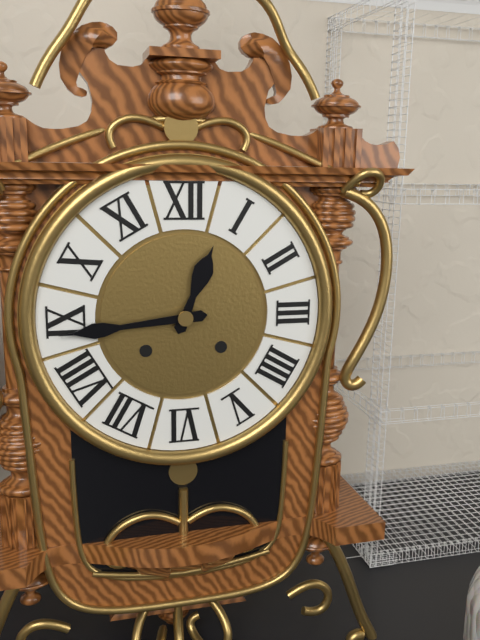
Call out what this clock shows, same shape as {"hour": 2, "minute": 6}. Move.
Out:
{"hour": 12, "minute": 44}
